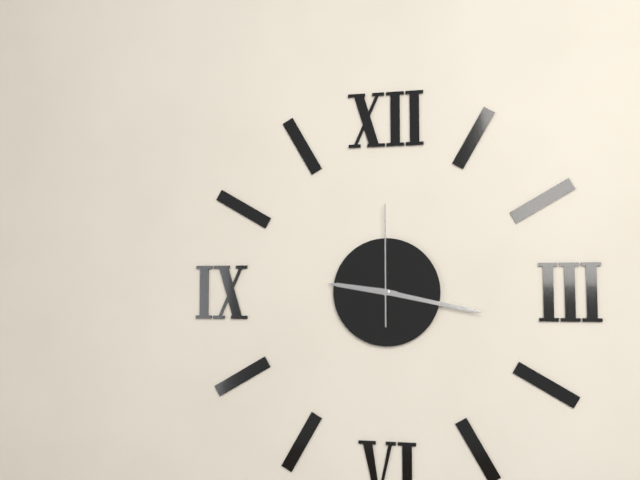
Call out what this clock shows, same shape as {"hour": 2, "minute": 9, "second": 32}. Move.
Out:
{"hour": 9, "minute": 17, "second": 0}
